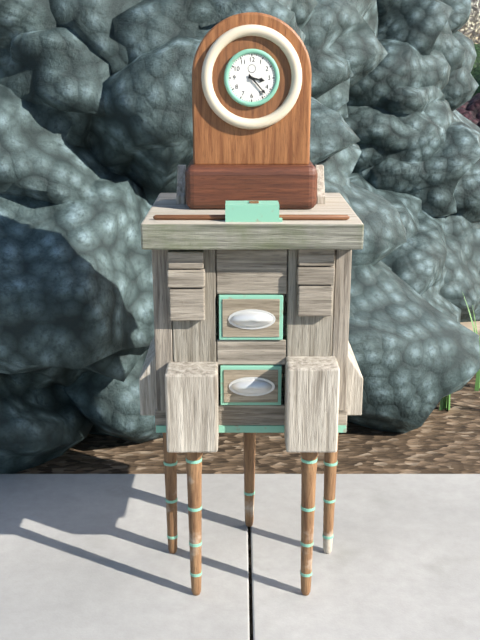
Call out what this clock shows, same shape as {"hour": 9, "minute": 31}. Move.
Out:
{"hour": 3, "minute": 23}
